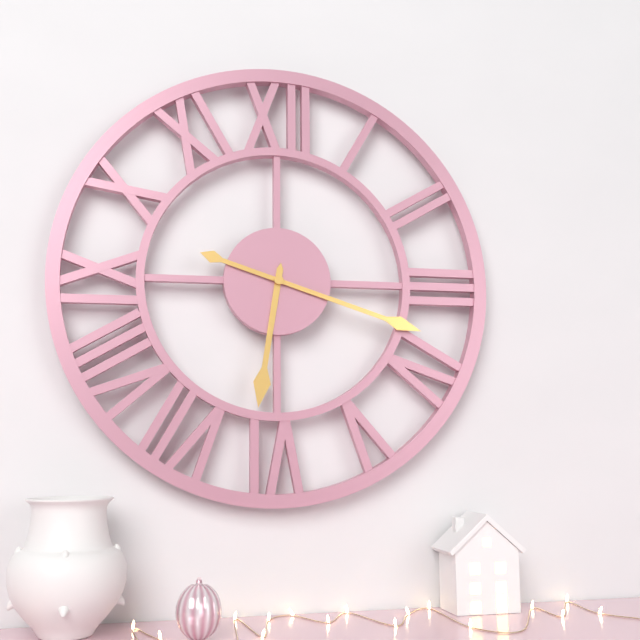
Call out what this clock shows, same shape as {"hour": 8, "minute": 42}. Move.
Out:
{"hour": 6, "minute": 18}
